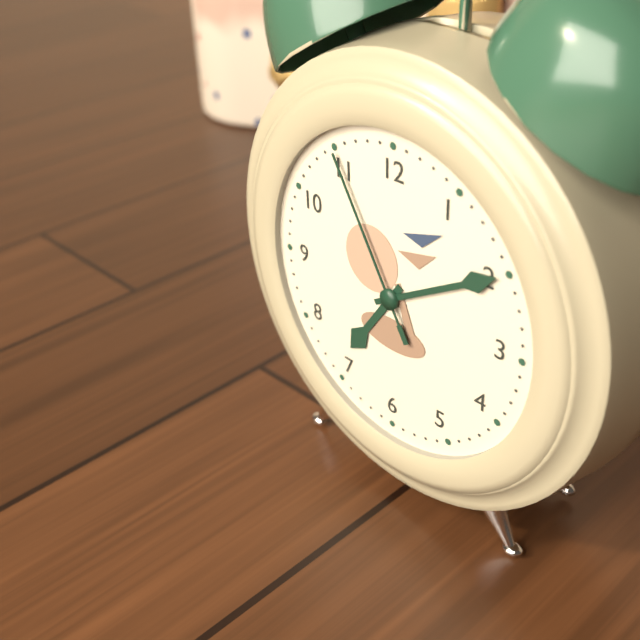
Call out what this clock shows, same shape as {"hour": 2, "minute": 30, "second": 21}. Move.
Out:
{"hour": 7, "minute": 10, "second": 55}
